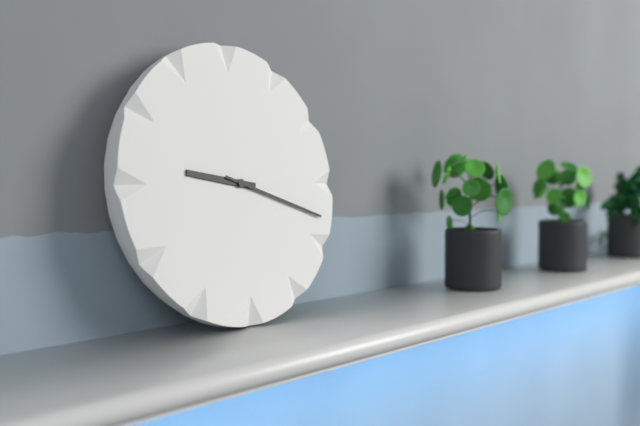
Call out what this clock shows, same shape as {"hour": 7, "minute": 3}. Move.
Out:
{"hour": 9, "minute": 18}
